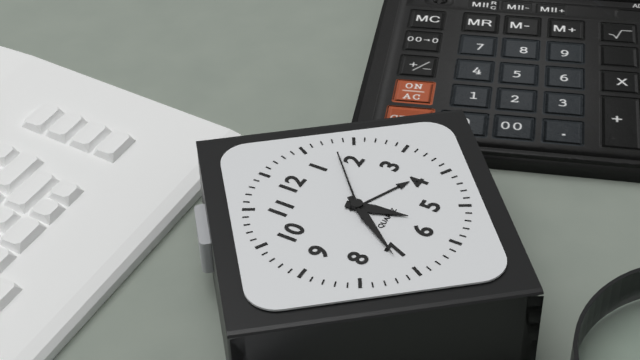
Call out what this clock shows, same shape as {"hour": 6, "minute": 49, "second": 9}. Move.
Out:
{"hour": 5, "minute": 36, "second": 8}
